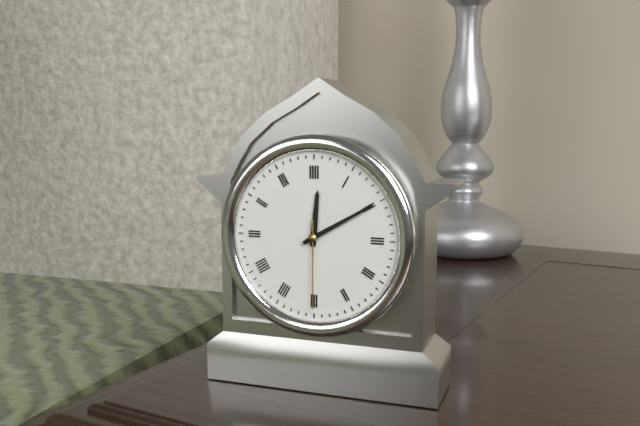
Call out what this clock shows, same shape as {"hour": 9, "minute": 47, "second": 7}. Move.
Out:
{"hour": 12, "minute": 10, "second": 30}
